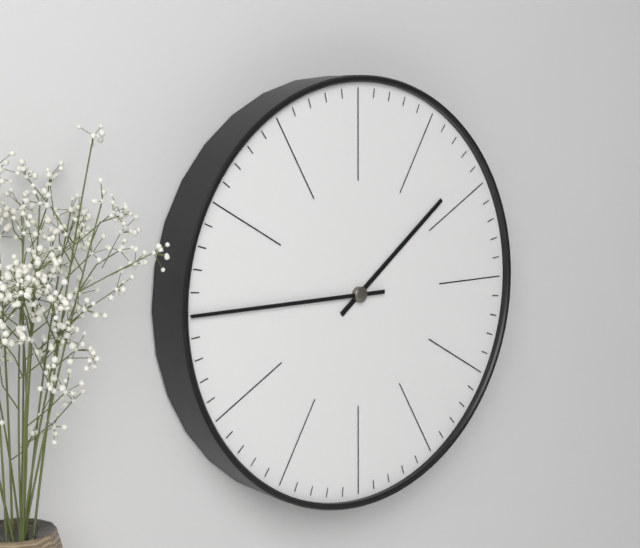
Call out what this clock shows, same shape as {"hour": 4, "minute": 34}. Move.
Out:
{"hour": 1, "minute": 45}
